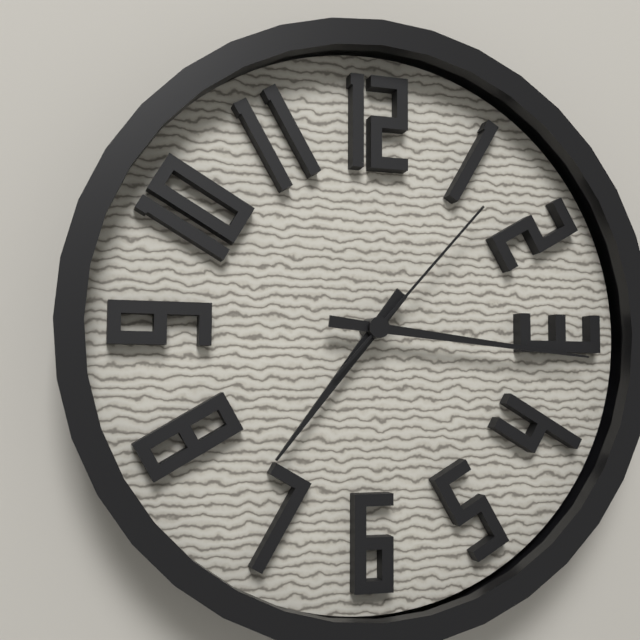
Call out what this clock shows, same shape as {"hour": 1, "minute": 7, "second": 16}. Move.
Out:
{"hour": 7, "minute": 16, "second": 7}
